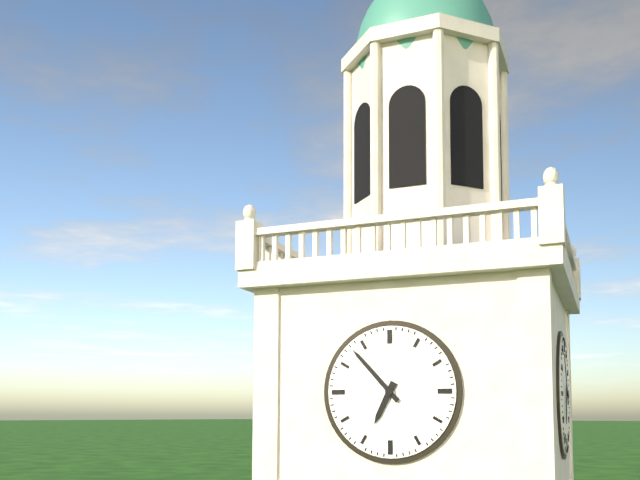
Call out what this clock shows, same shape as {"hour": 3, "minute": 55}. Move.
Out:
{"hour": 6, "minute": 53}
